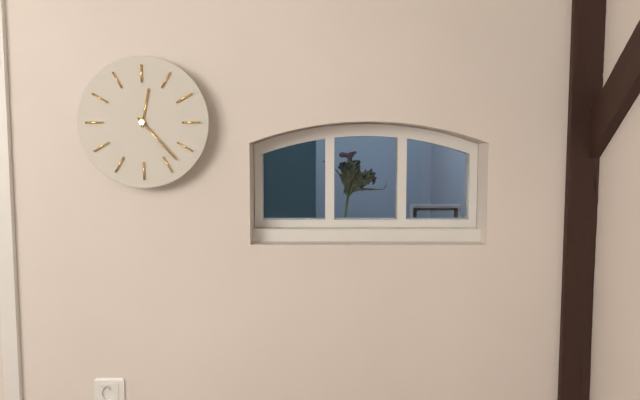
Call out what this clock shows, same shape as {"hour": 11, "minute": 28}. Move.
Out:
{"hour": 12, "minute": 23}
